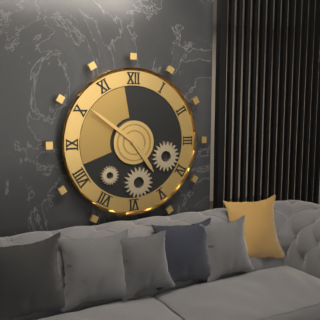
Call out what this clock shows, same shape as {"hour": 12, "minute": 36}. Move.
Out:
{"hour": 4, "minute": 51}
